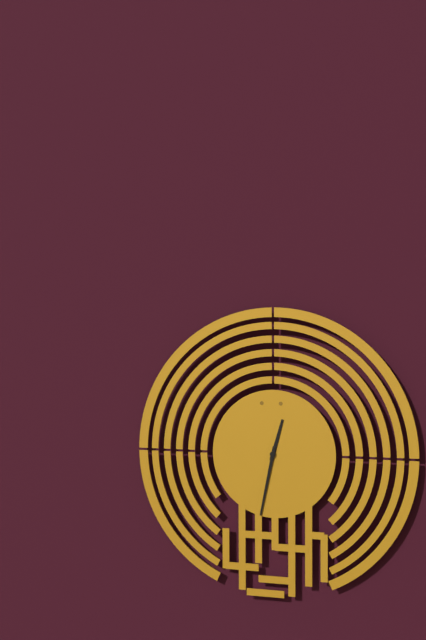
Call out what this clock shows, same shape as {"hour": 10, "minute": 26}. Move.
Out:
{"hour": 12, "minute": 32}
